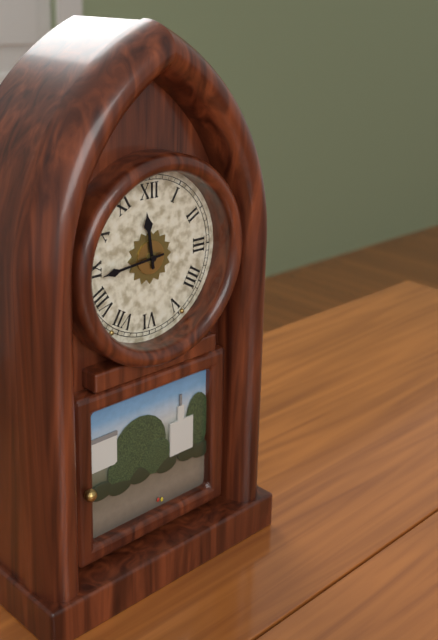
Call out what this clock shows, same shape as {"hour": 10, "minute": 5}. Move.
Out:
{"hour": 11, "minute": 44}
